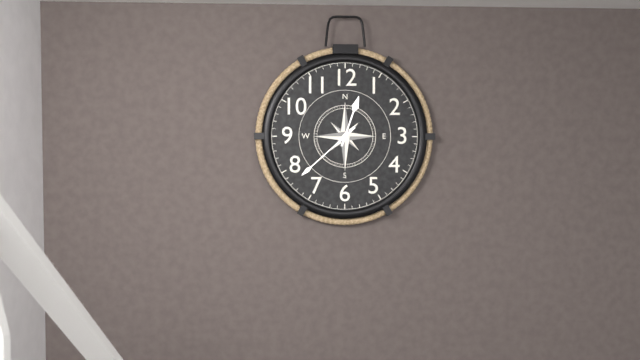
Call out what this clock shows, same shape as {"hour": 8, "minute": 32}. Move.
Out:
{"hour": 12, "minute": 38}
